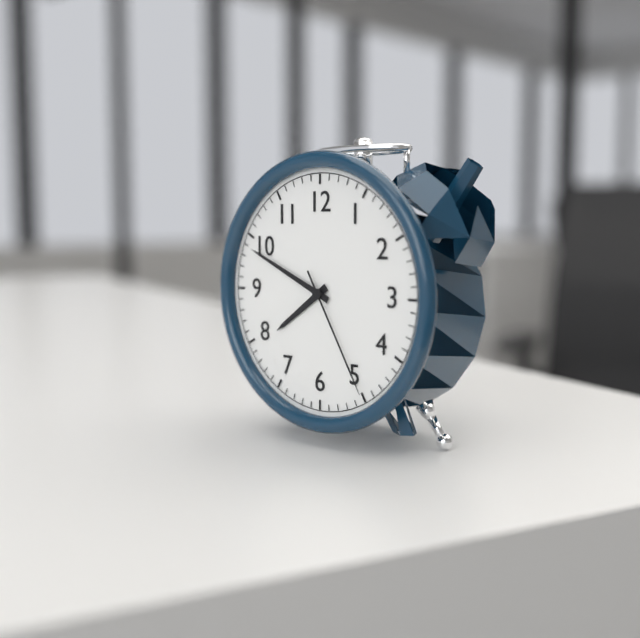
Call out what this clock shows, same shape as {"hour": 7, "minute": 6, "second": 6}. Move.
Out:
{"hour": 7, "minute": 49, "second": 25}
